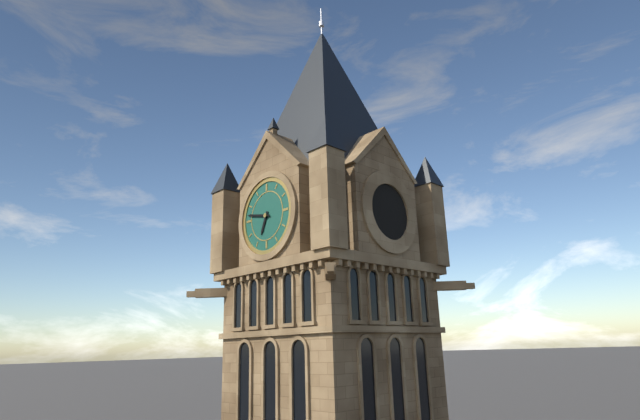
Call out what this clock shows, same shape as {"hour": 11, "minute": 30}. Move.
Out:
{"hour": 6, "minute": 47}
